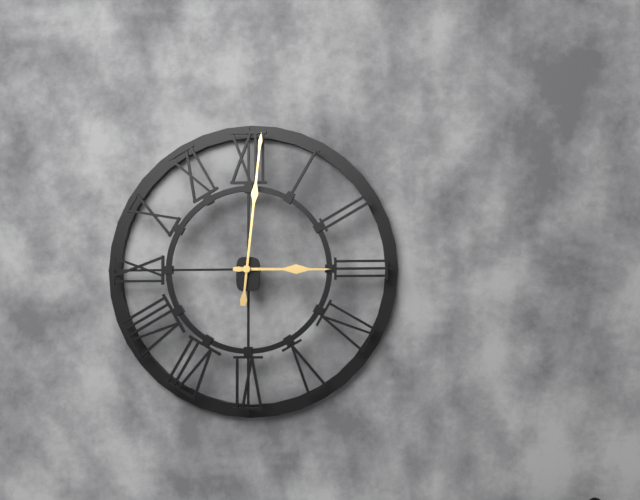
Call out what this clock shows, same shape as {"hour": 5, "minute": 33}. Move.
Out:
{"hour": 3, "minute": 1}
